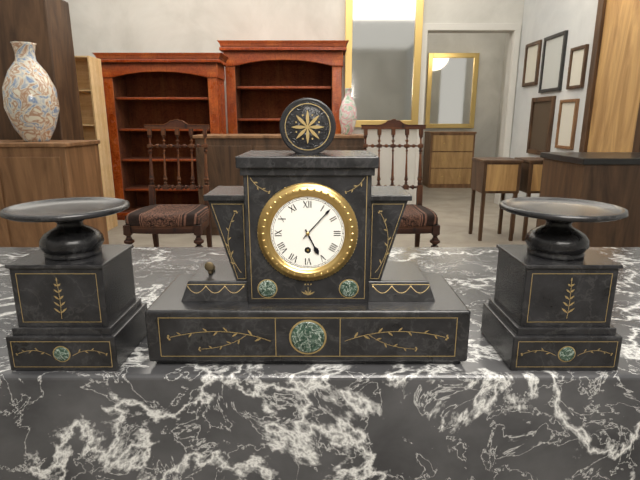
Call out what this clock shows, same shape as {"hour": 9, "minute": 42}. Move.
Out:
{"hour": 5, "minute": 7}
